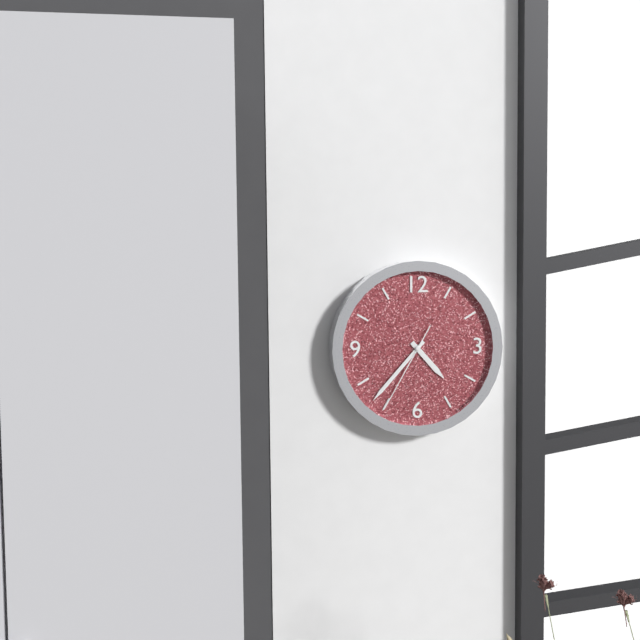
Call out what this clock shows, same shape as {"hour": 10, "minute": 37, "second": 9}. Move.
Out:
{"hour": 4, "minute": 37, "second": 35}
